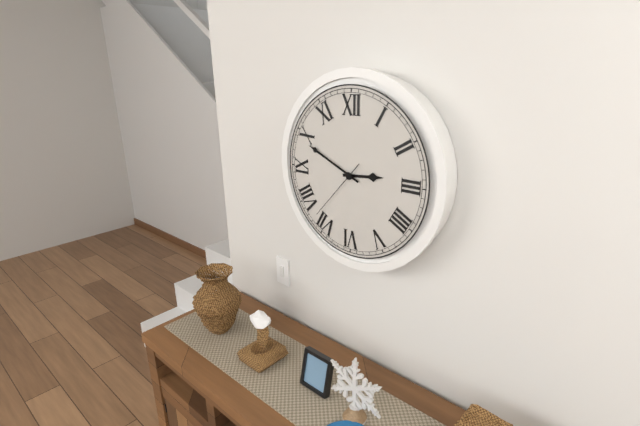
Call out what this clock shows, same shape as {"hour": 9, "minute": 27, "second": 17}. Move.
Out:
{"hour": 2, "minute": 49, "second": 37}
